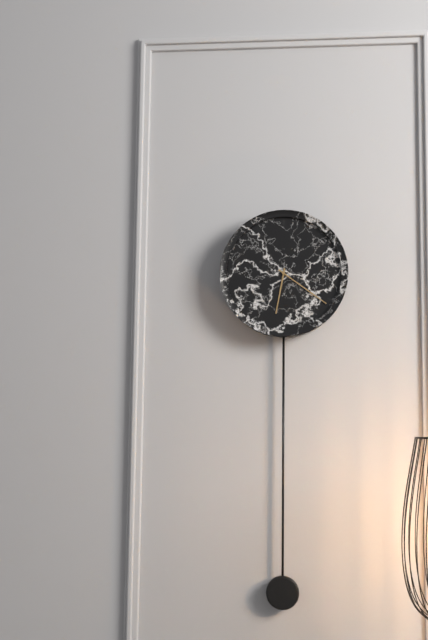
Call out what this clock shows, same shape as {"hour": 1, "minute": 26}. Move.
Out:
{"hour": 6, "minute": 21}
